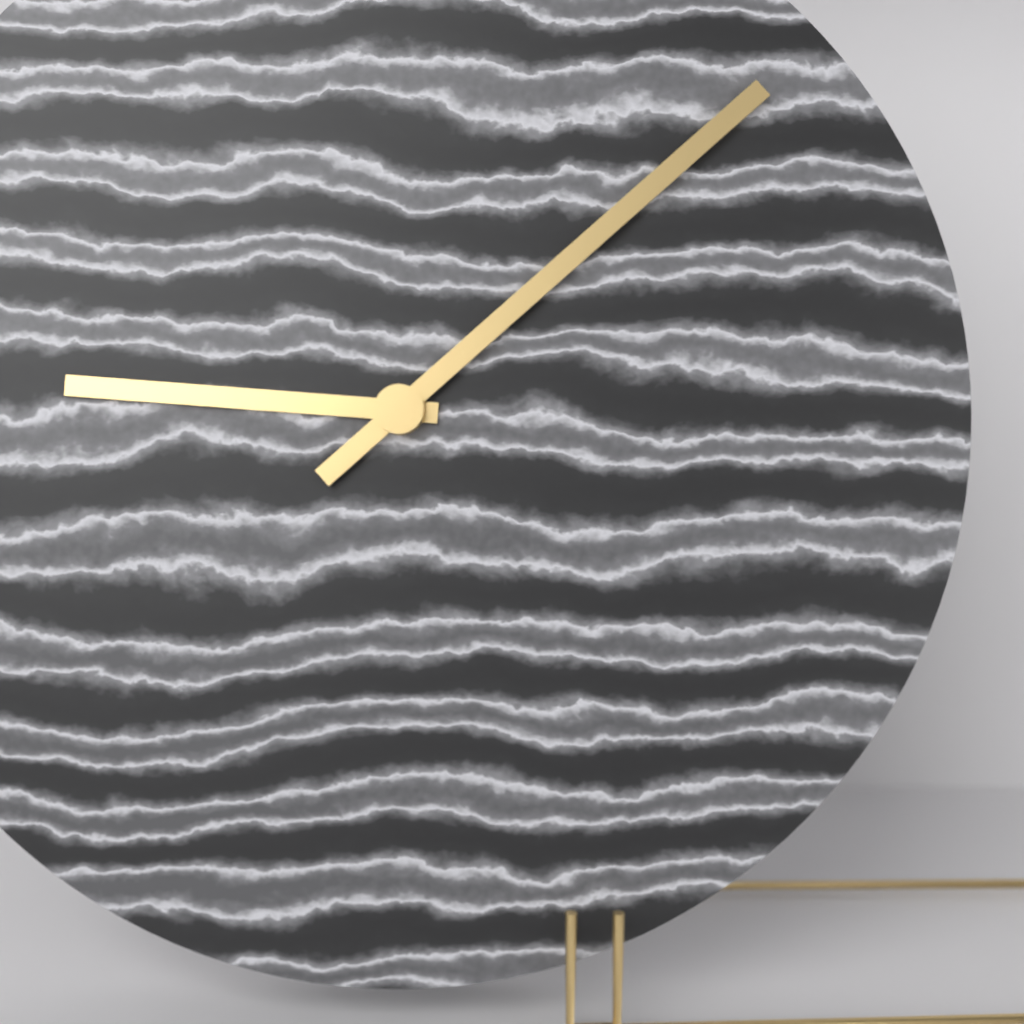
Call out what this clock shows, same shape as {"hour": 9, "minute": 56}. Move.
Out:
{"hour": 9, "minute": 8}
